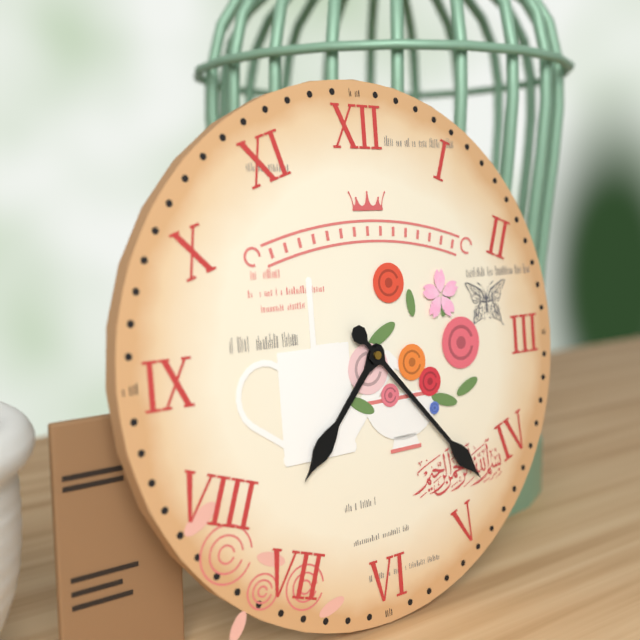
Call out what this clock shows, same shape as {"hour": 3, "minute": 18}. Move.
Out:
{"hour": 7, "minute": 23}
